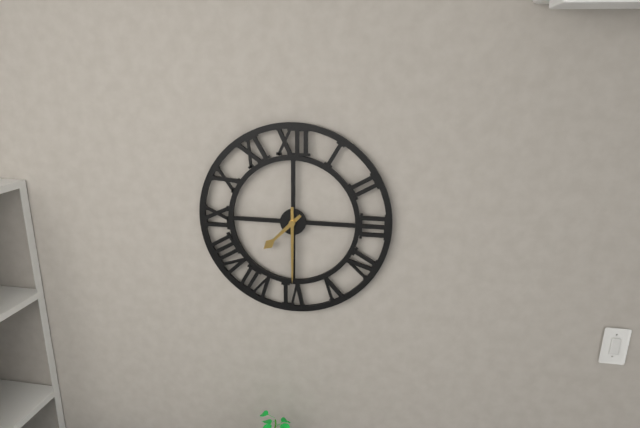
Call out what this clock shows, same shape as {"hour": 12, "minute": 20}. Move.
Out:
{"hour": 7, "minute": 30}
